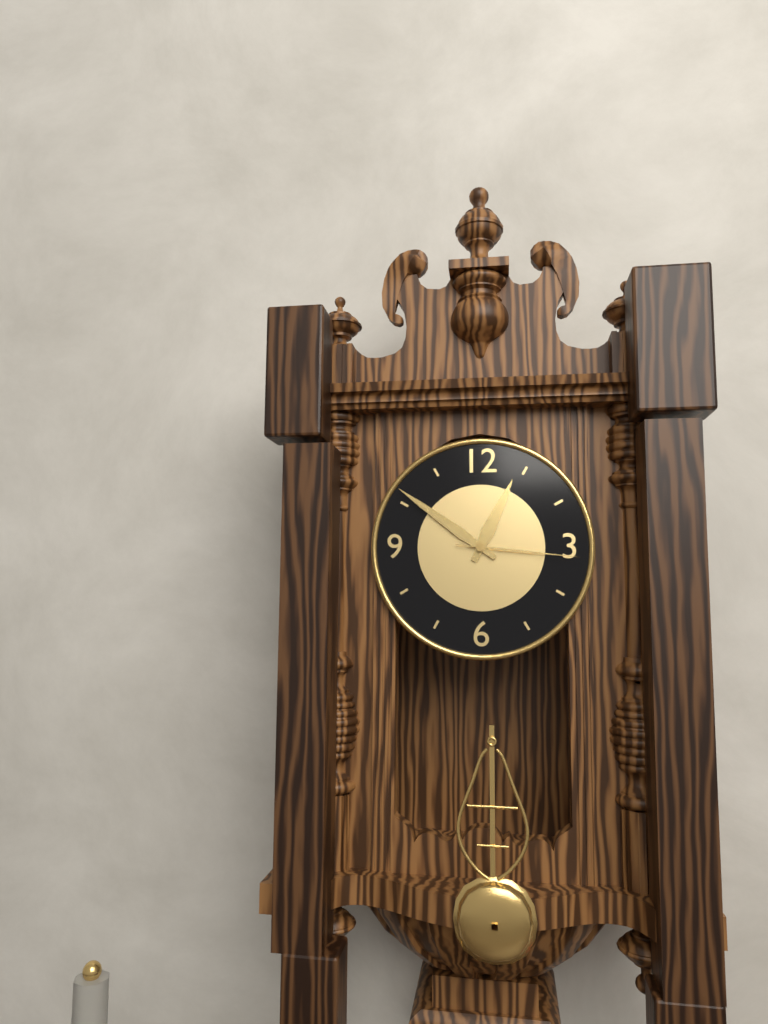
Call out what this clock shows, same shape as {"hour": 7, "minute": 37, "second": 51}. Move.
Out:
{"hour": 12, "minute": 51, "second": 16}
